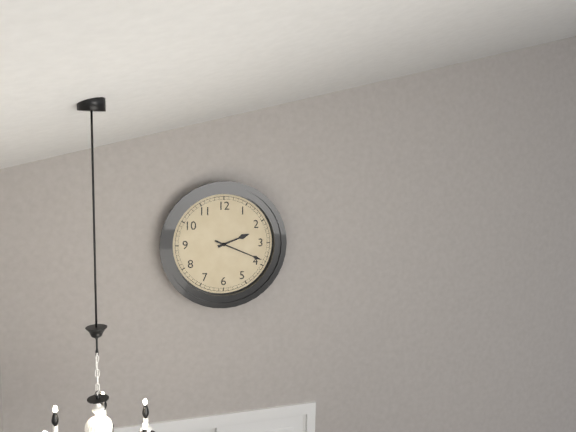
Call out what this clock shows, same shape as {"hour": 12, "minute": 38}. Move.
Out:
{"hour": 2, "minute": 19}
